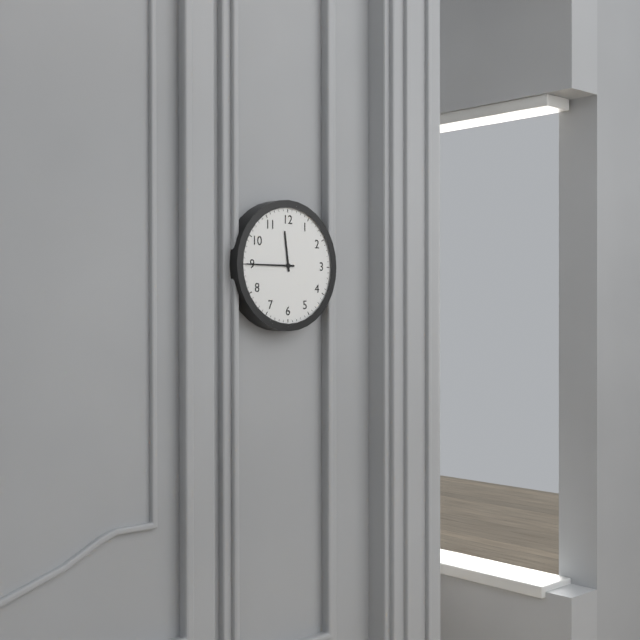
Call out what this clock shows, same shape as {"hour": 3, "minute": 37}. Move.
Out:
{"hour": 11, "minute": 45}
